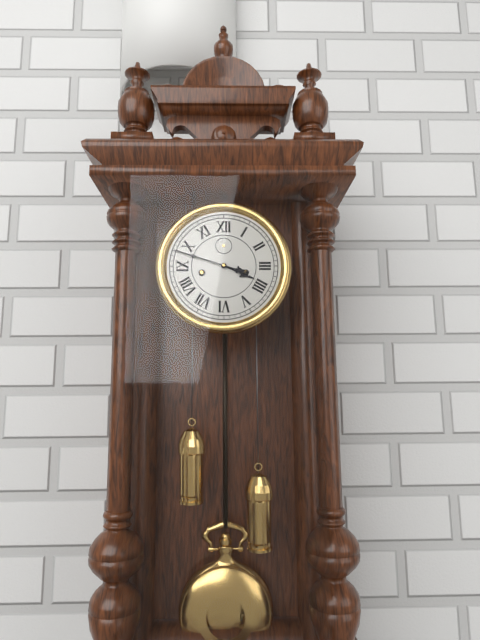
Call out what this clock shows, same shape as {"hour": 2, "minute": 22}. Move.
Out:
{"hour": 3, "minute": 48}
